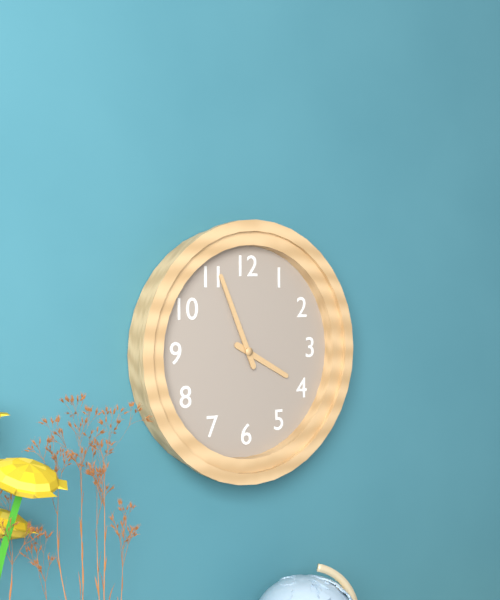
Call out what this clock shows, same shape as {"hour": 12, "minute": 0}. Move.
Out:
{"hour": 3, "minute": 56}
